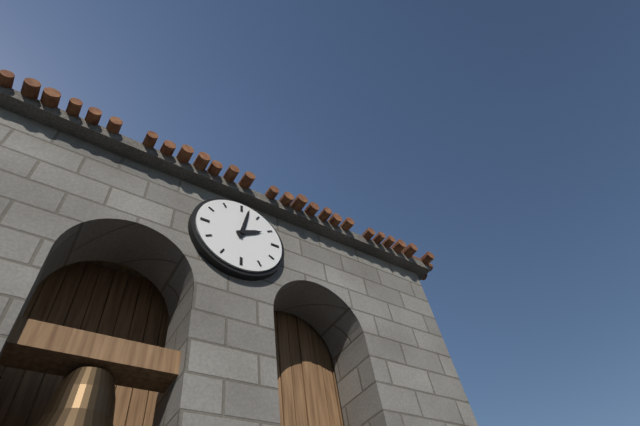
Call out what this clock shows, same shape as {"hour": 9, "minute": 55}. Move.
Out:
{"hour": 2, "minute": 2}
